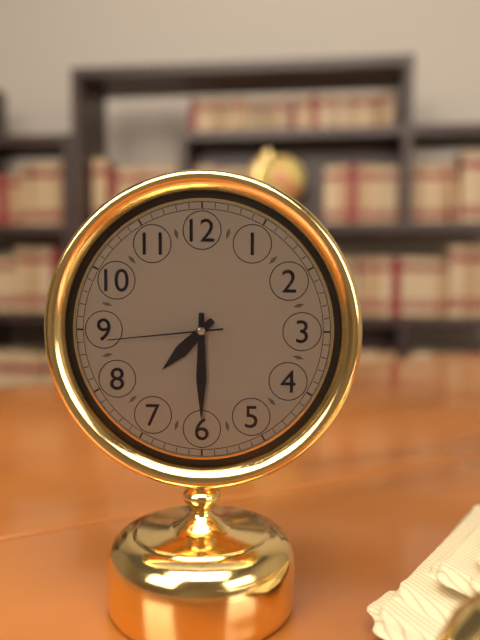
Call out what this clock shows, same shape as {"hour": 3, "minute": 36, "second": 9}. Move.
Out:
{"hour": 7, "minute": 30, "second": 44}
